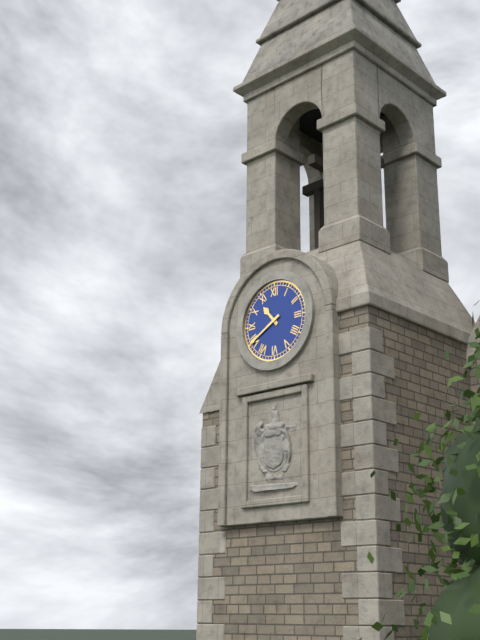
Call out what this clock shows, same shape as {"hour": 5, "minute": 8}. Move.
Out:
{"hour": 10, "minute": 40}
